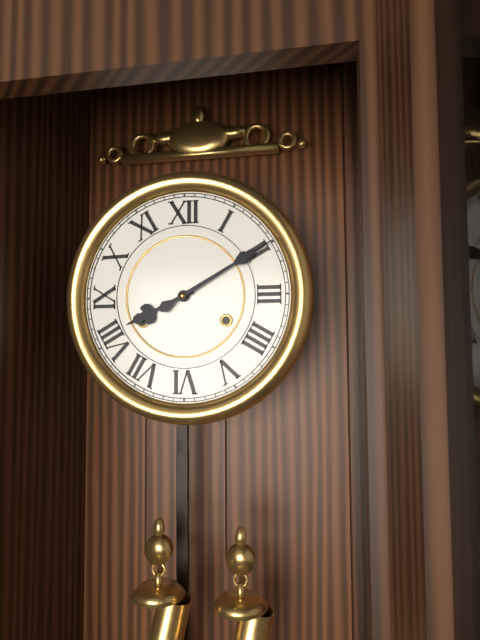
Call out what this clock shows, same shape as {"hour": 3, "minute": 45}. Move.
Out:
{"hour": 8, "minute": 10}
